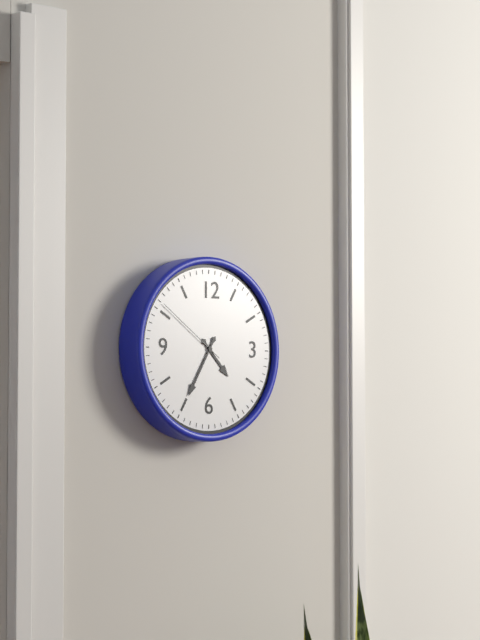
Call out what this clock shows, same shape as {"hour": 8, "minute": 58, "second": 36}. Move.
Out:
{"hour": 4, "minute": 35, "second": 51}
